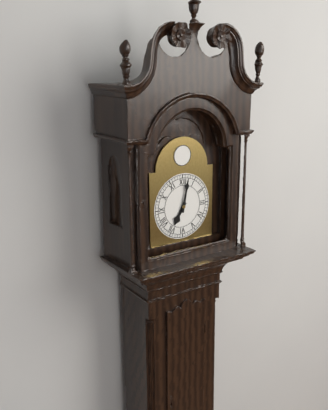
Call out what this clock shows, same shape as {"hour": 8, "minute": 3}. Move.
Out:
{"hour": 7, "minute": 2}
